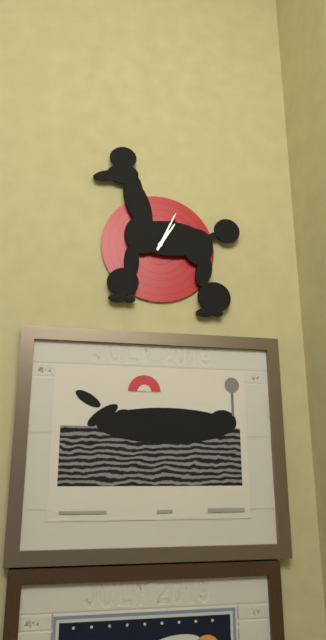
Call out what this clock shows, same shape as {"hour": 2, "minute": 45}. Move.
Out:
{"hour": 1, "minute": 4}
